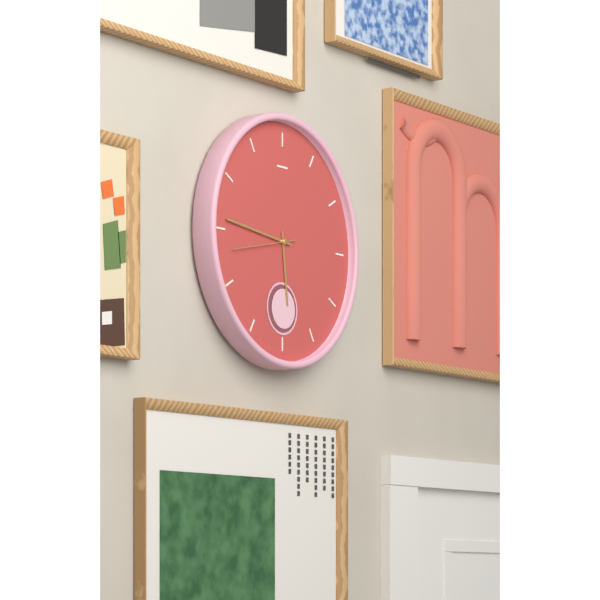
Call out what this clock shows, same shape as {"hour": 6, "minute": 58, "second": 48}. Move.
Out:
{"hour": 5, "minute": 46, "second": 43}
